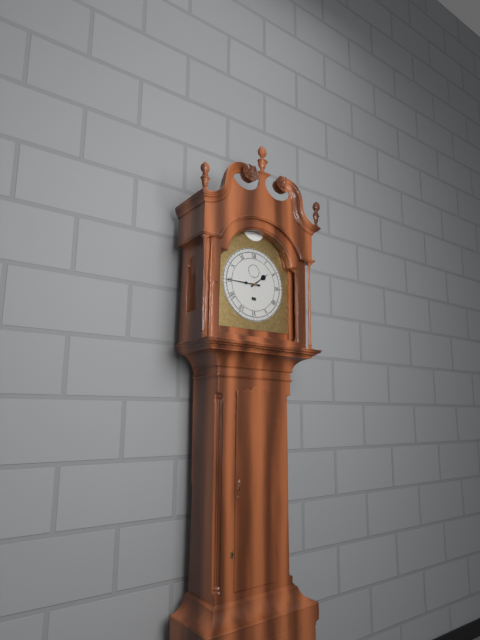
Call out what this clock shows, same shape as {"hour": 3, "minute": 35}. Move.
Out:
{"hour": 1, "minute": 45}
